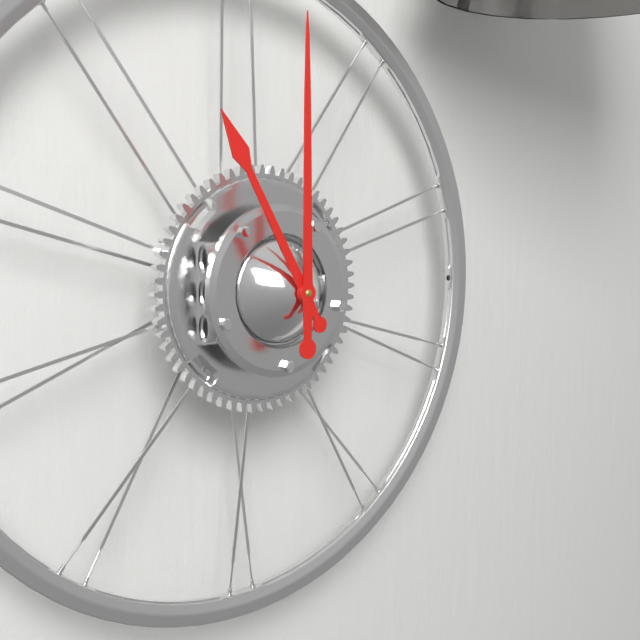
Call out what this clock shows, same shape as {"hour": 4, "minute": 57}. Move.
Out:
{"hour": 11, "minute": 0}
